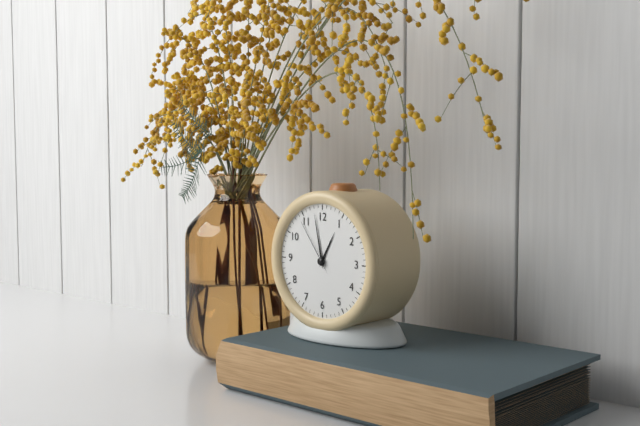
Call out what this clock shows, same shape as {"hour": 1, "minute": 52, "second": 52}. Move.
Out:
{"hour": 12, "minute": 58, "second": 54}
